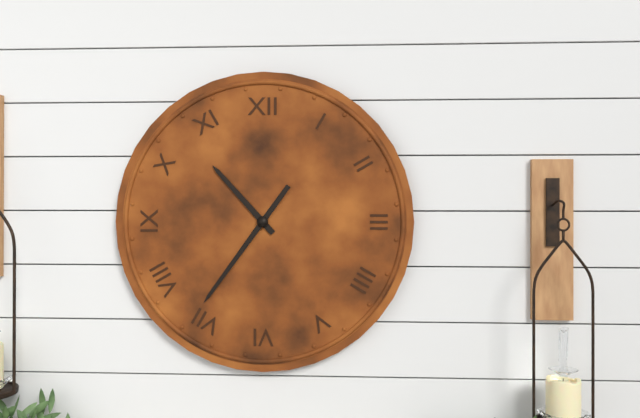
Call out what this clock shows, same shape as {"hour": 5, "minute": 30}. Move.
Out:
{"hour": 10, "minute": 36}
